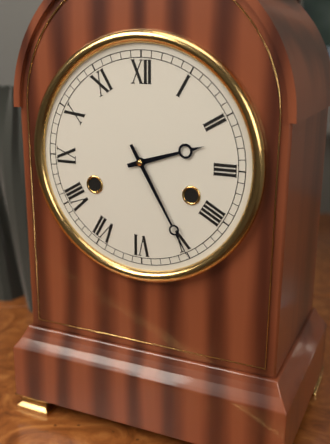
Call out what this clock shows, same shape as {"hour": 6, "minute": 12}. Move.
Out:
{"hour": 2, "minute": 25}
